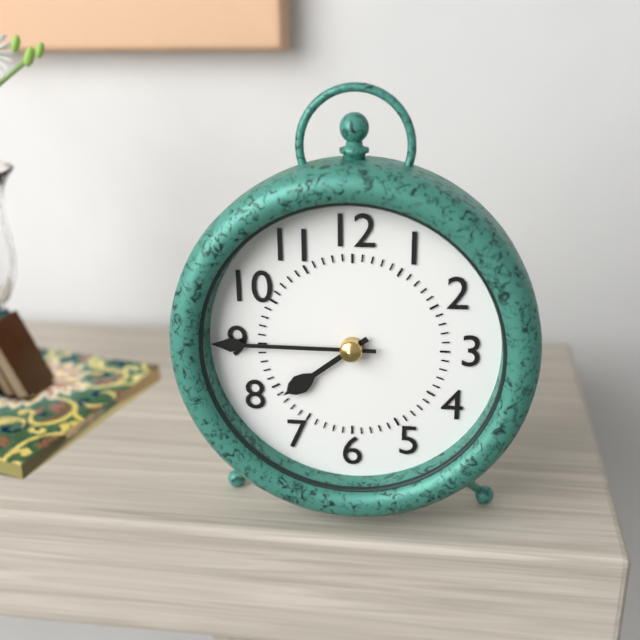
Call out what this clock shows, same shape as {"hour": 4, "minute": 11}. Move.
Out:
{"hour": 7, "minute": 45}
